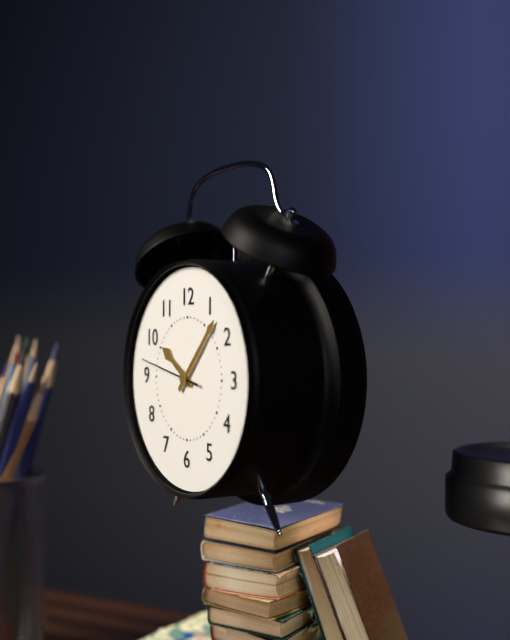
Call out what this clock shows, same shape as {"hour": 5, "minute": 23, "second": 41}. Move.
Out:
{"hour": 10, "minute": 7, "second": 47}
